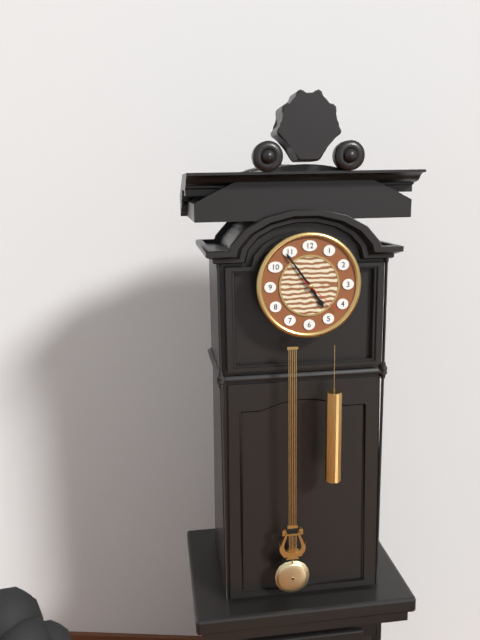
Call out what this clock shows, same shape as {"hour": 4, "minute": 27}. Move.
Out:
{"hour": 4, "minute": 54}
